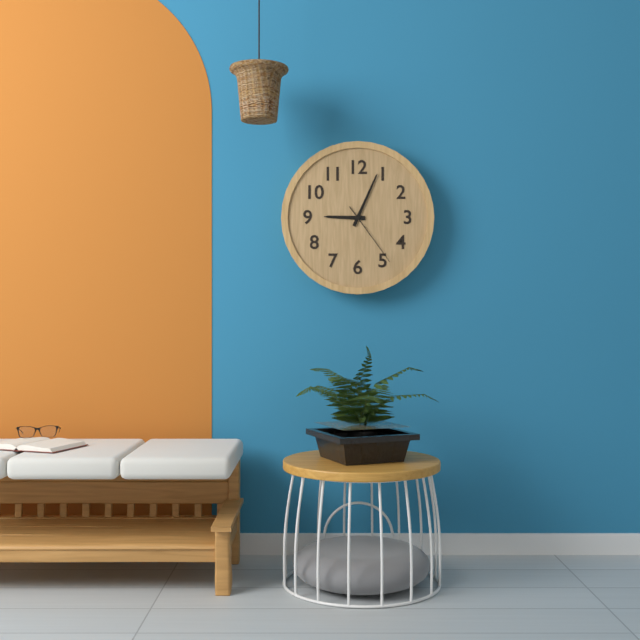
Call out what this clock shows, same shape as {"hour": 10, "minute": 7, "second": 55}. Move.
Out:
{"hour": 9, "minute": 4, "second": 24}
